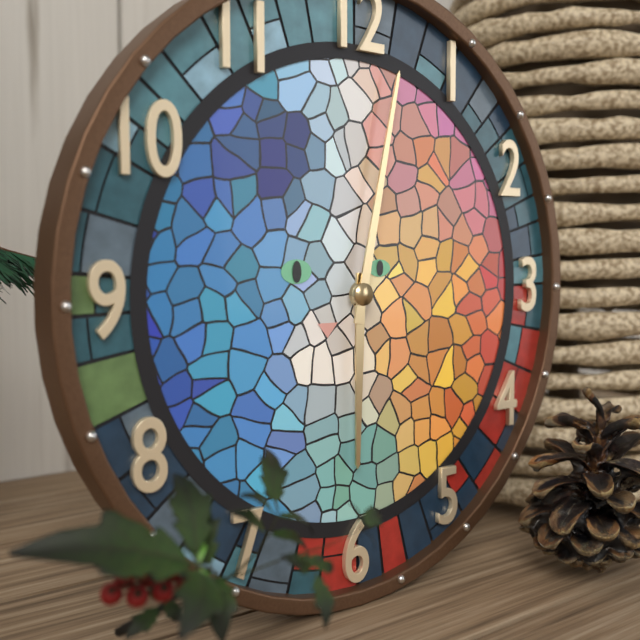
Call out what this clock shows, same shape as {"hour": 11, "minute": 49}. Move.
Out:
{"hour": 6, "minute": 2}
